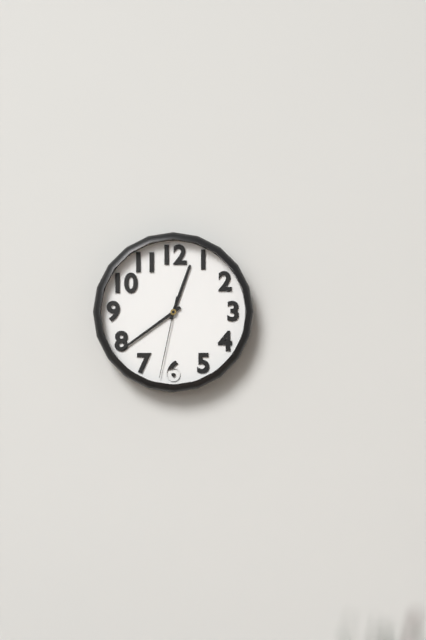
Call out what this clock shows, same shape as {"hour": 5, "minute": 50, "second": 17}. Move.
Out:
{"hour": 12, "minute": 39, "second": 32}
